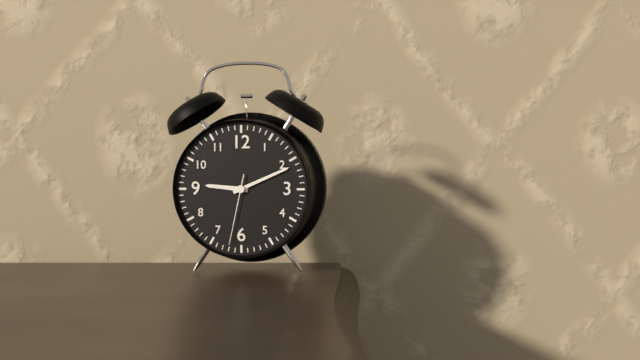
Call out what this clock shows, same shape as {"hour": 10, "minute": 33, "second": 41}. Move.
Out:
{"hour": 9, "minute": 11, "second": 32}
